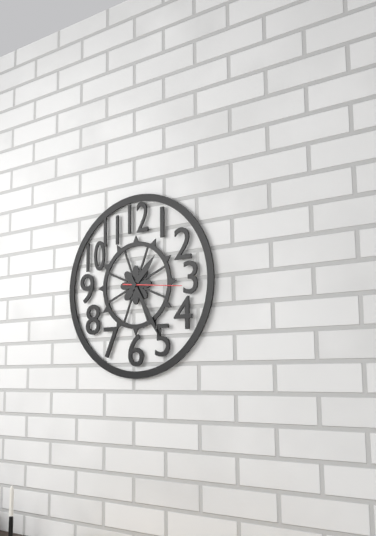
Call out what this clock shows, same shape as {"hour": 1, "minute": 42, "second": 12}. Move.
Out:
{"hour": 1, "minute": 25, "second": 16}
